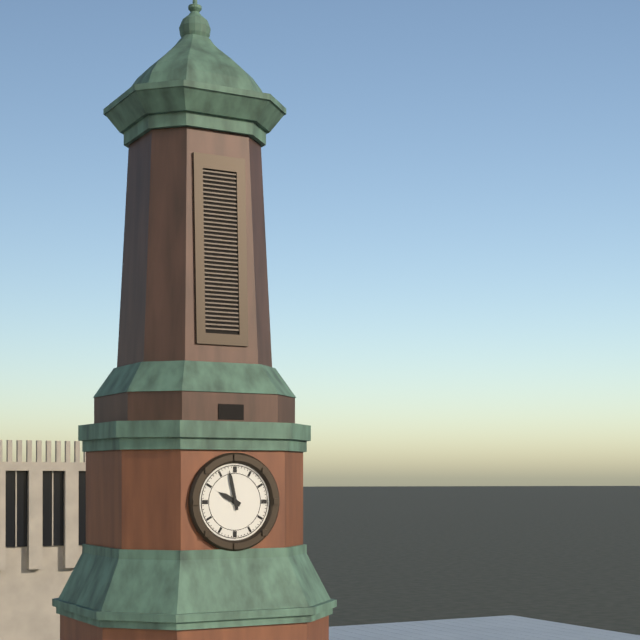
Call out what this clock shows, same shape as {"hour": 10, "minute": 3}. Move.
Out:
{"hour": 9, "minute": 58}
